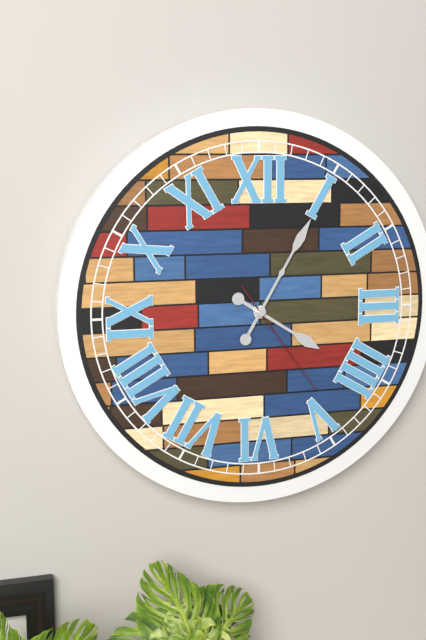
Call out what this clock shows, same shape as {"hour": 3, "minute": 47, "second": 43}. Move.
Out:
{"hour": 4, "minute": 5, "second": 24}
